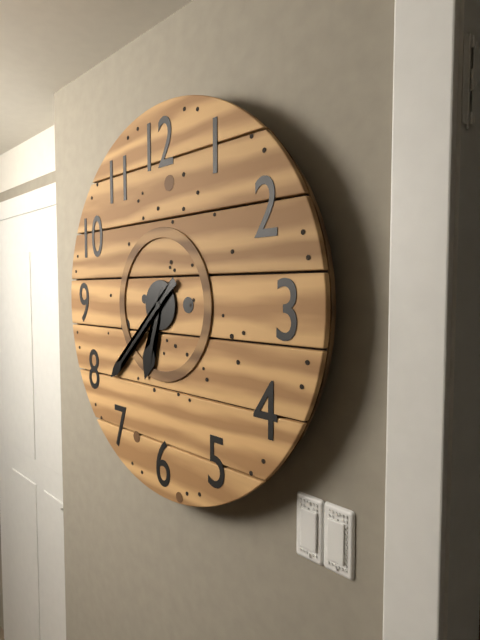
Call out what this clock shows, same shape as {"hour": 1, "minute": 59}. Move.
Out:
{"hour": 6, "minute": 38}
